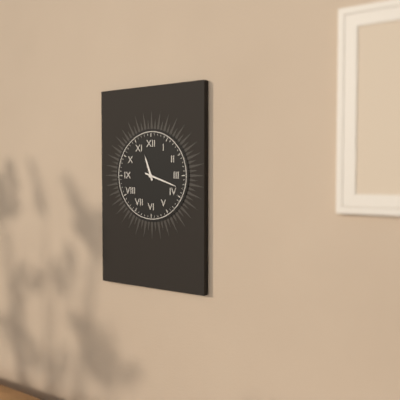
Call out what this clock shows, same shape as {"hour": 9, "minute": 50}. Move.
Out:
{"hour": 11, "minute": 18}
